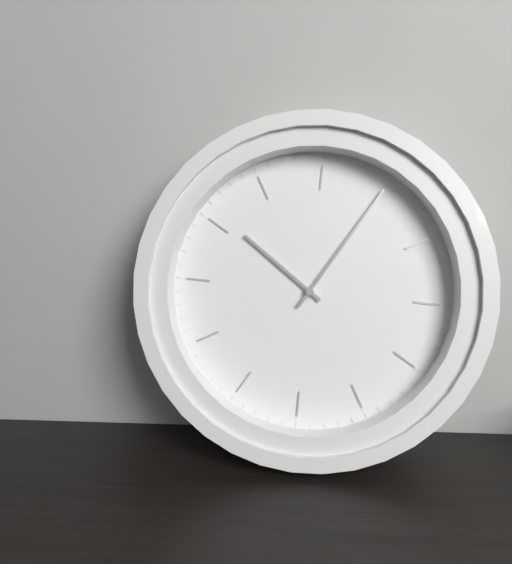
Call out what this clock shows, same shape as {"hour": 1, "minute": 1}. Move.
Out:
{"hour": 11, "minute": 10}
